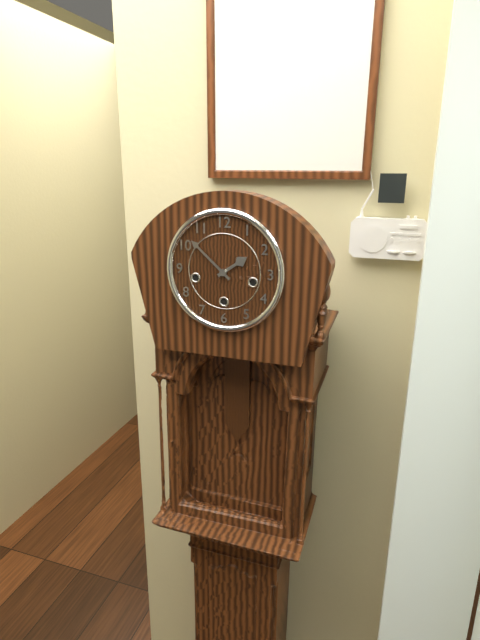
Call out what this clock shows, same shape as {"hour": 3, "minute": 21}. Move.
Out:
{"hour": 1, "minute": 52}
